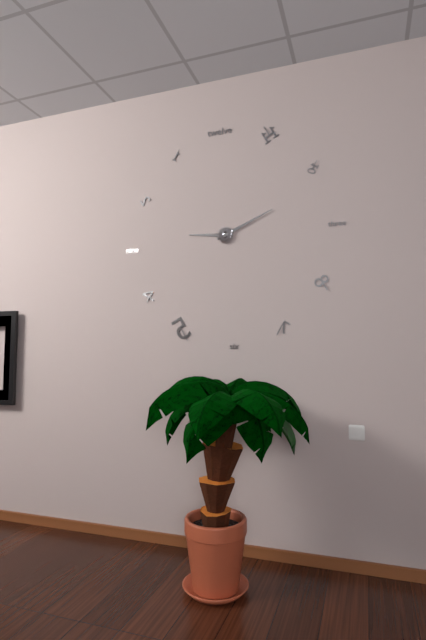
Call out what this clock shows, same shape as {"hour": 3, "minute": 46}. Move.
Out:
{"hour": 9, "minute": 11}
